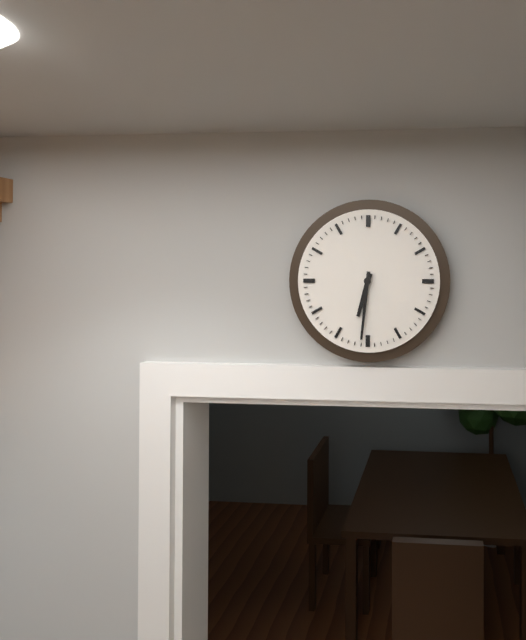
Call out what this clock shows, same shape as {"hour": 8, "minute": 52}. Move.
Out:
{"hour": 6, "minute": 31}
